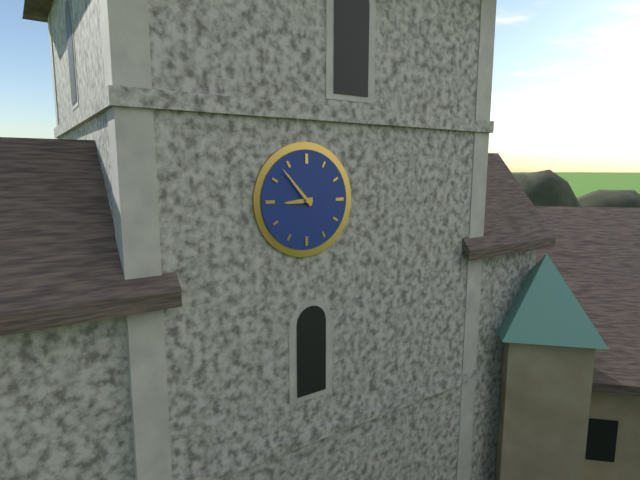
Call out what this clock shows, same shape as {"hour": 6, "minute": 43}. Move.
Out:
{"hour": 8, "minute": 53}
